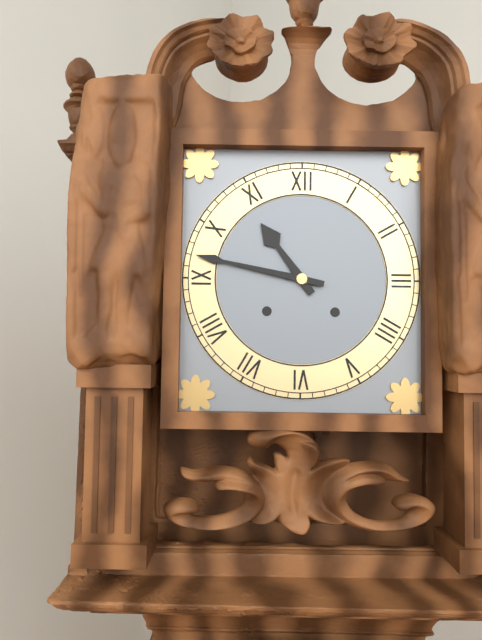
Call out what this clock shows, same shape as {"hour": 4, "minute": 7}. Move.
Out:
{"hour": 10, "minute": 47}
